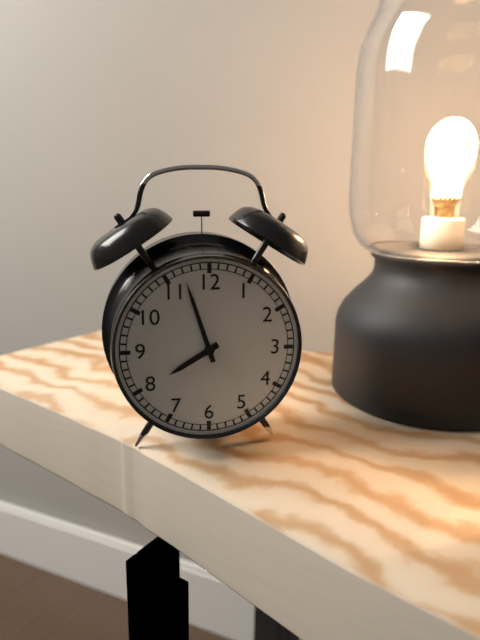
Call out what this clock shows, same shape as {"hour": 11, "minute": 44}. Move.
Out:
{"hour": 7, "minute": 57}
